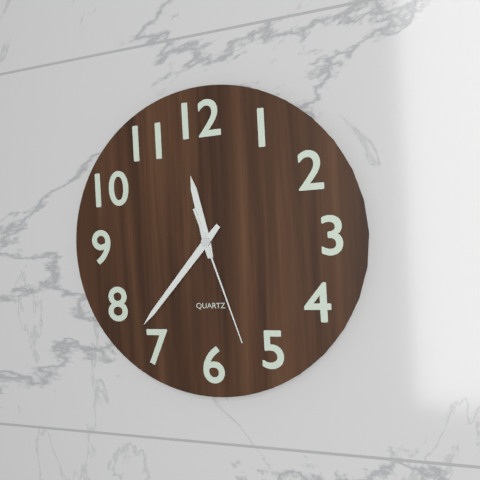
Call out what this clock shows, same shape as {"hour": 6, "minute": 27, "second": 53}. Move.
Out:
{"hour": 11, "minute": 37, "second": 27}
